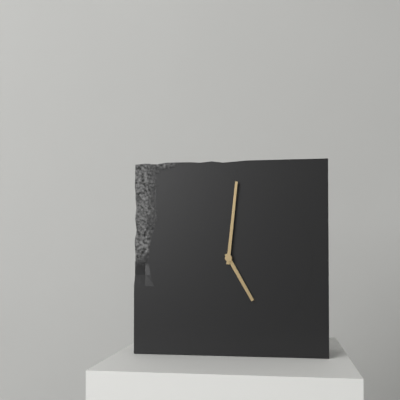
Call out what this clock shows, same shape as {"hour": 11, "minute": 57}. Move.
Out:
{"hour": 5, "minute": 1}
